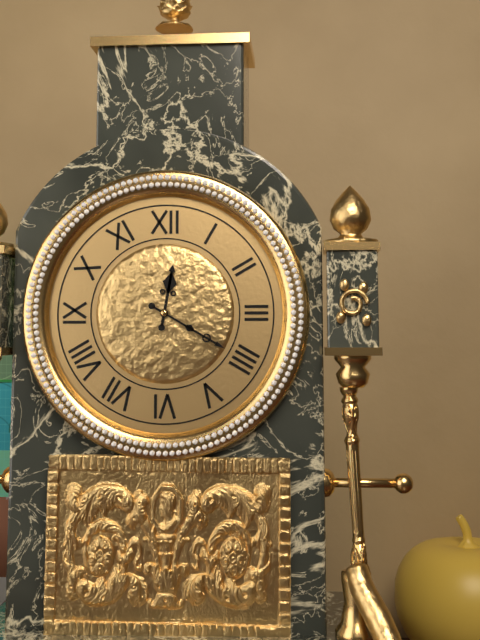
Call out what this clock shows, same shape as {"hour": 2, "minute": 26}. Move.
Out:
{"hour": 12, "minute": 20}
